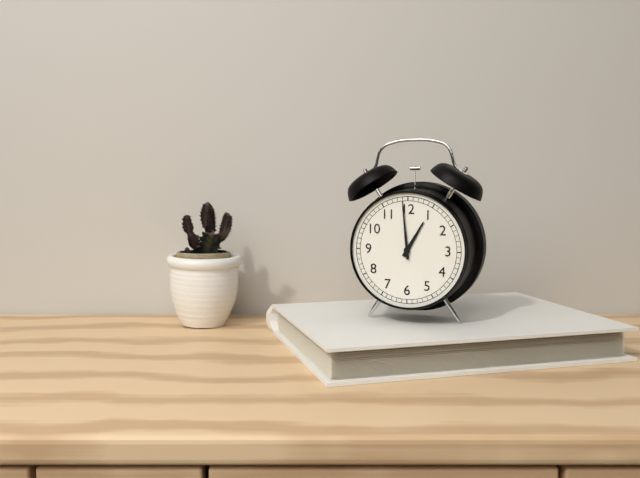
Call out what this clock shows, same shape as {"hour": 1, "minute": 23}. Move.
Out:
{"hour": 12, "minute": 59}
